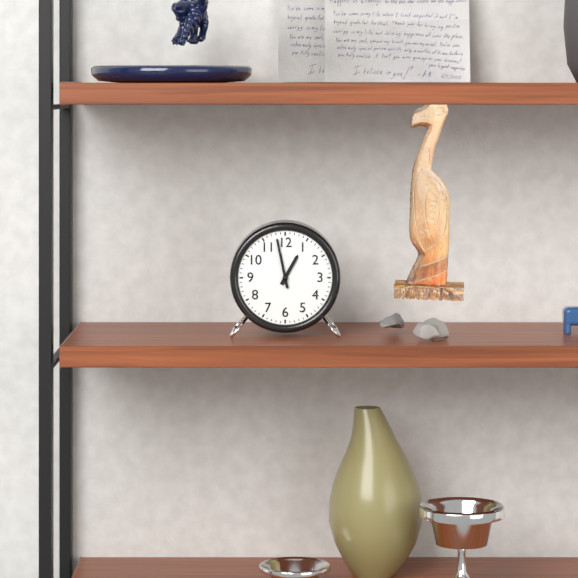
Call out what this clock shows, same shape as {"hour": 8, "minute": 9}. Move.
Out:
{"hour": 12, "minute": 58}
